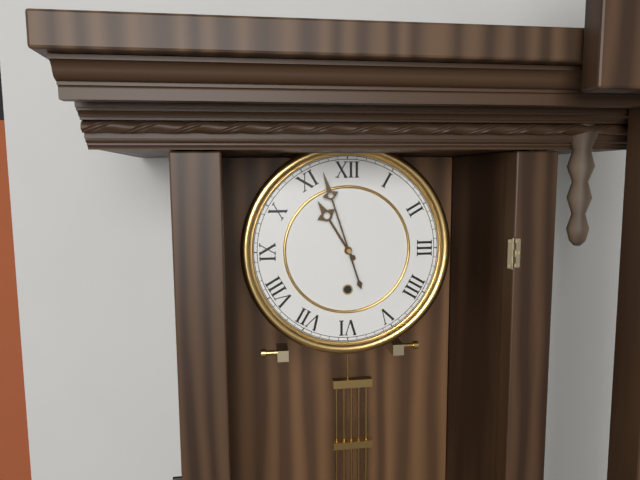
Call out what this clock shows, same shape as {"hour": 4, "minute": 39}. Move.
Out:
{"hour": 10, "minute": 57}
